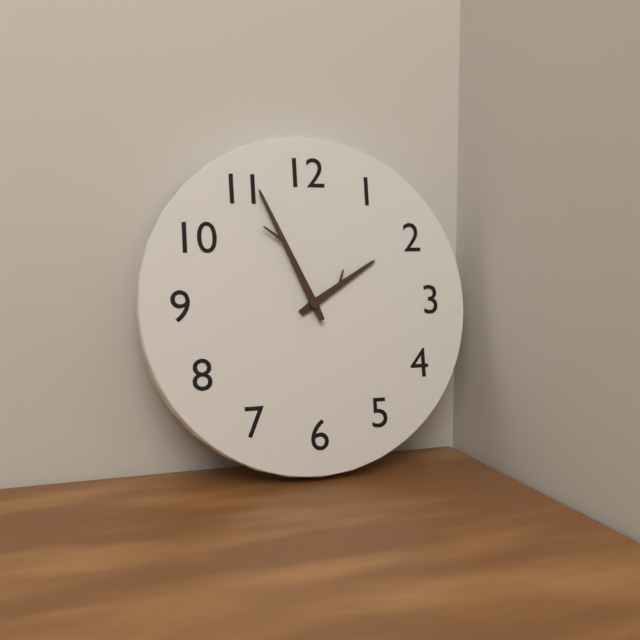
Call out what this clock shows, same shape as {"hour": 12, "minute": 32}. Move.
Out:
{"hour": 1, "minute": 56}
